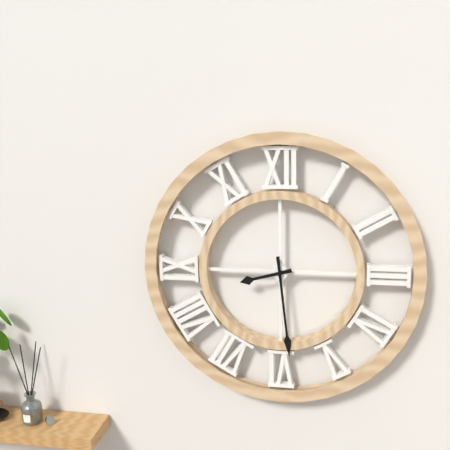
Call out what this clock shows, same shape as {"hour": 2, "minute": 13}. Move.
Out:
{"hour": 8, "minute": 29}
